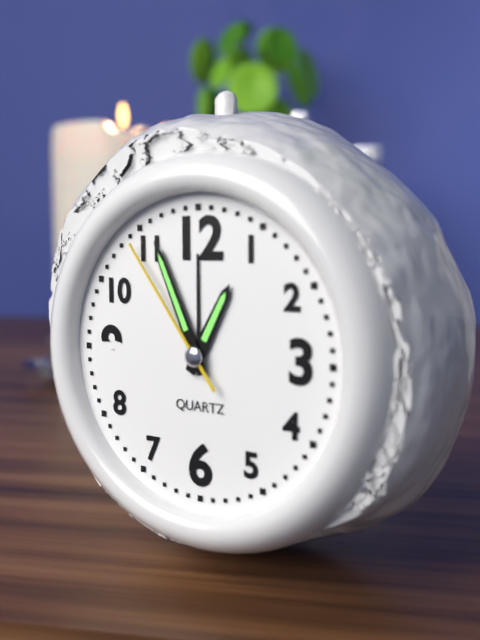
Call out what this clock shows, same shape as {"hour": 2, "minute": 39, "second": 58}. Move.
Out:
{"hour": 12, "minute": 56, "second": 54}
